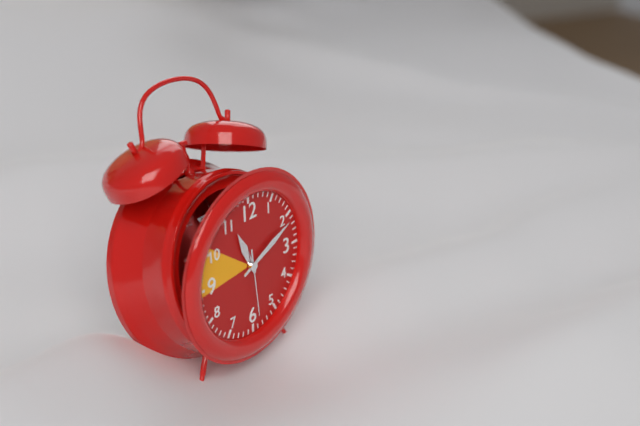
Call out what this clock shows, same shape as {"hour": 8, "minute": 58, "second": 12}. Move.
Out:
{"hour": 11, "minute": 11, "second": 29}
